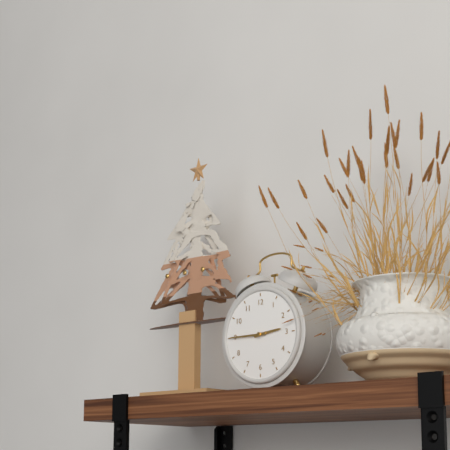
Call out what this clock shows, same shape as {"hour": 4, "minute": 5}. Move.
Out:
{"hour": 2, "minute": 45}
